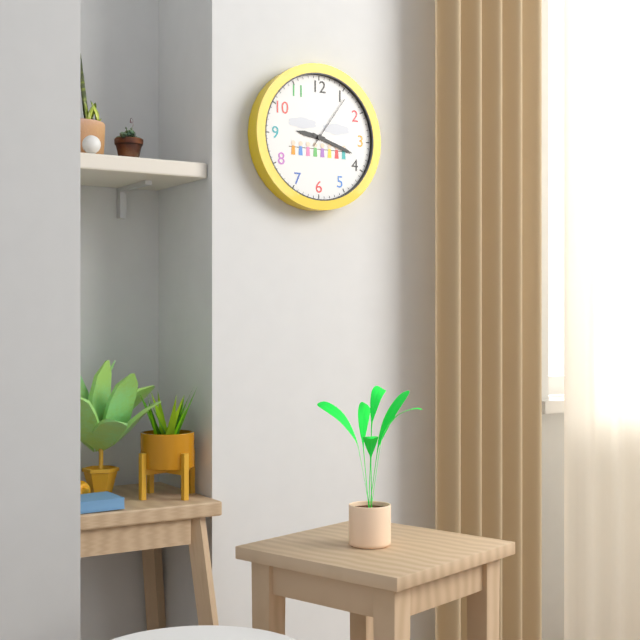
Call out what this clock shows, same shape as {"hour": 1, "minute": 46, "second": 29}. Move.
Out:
{"hour": 9, "minute": 18, "second": 6}
